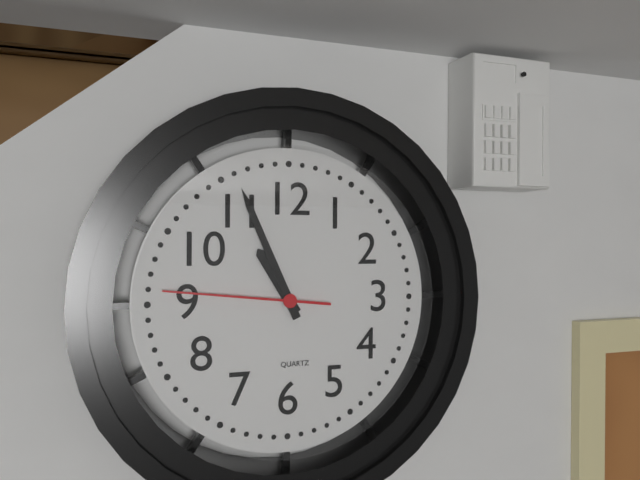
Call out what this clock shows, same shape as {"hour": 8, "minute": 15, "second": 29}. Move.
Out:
{"hour": 10, "minute": 56, "second": 46}
